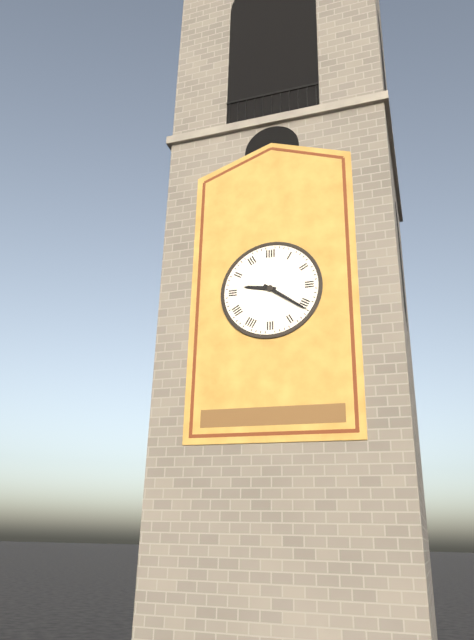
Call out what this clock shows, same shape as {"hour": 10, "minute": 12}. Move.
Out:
{"hour": 9, "minute": 21}
